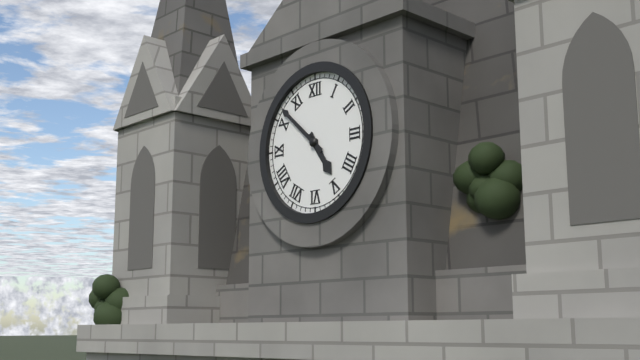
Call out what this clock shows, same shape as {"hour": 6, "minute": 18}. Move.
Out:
{"hour": 4, "minute": 52}
